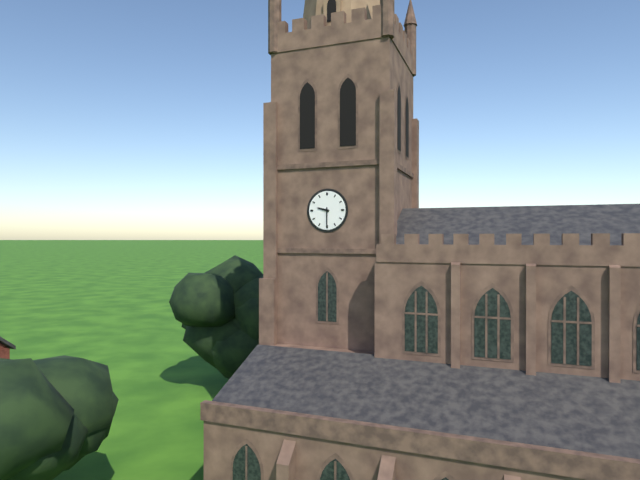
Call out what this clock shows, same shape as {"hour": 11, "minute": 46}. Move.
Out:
{"hour": 9, "minute": 30}
